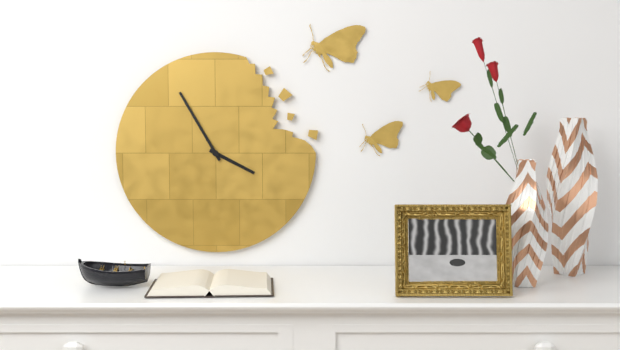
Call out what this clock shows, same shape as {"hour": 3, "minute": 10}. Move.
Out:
{"hour": 3, "minute": 55}
